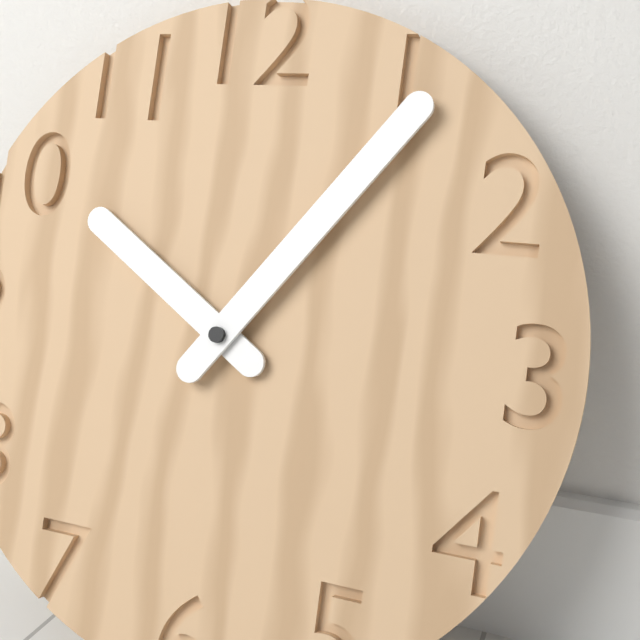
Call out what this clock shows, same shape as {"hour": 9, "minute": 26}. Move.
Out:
{"hour": 10, "minute": 6}
